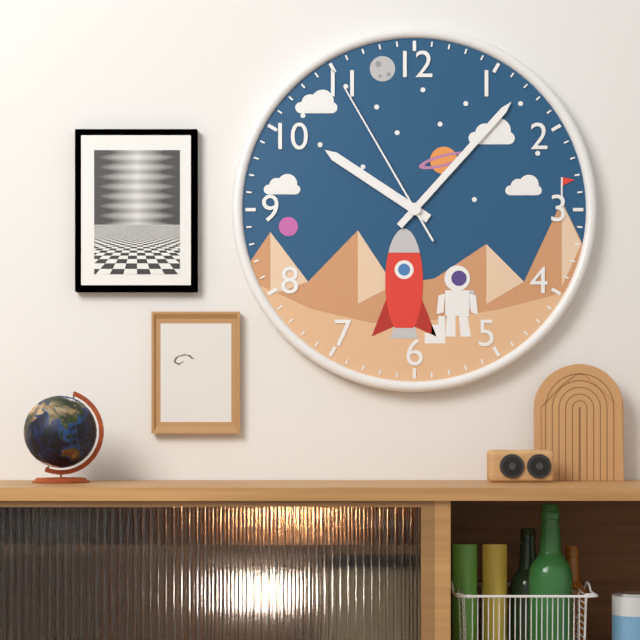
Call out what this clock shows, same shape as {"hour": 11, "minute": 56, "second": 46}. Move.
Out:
{"hour": 10, "minute": 7, "second": 55}
